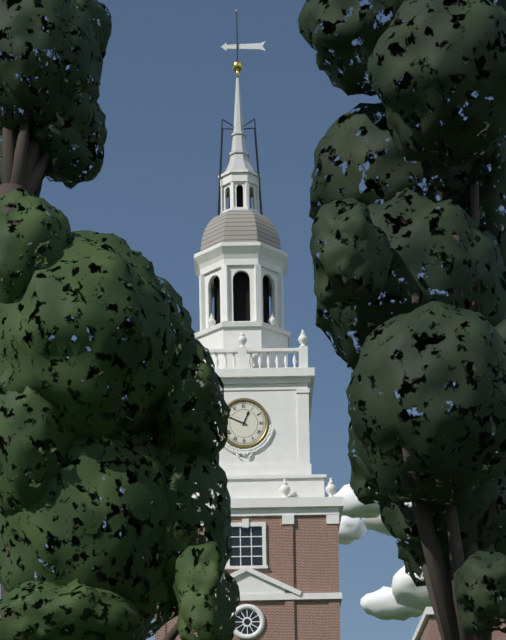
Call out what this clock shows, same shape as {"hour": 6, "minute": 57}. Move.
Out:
{"hour": 12, "minute": 49}
